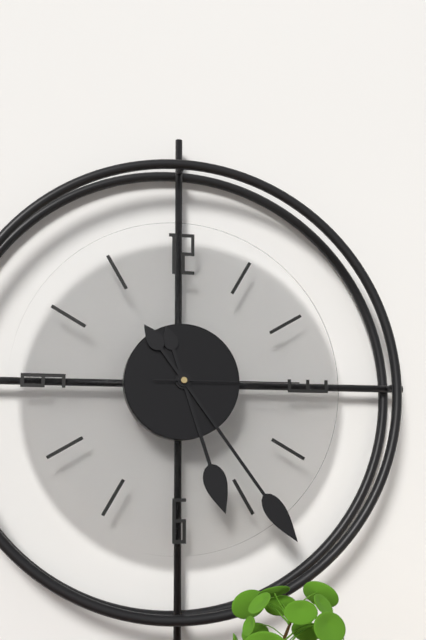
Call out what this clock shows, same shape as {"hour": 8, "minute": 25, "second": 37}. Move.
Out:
{"hour": 5, "minute": 24, "second": 15}
